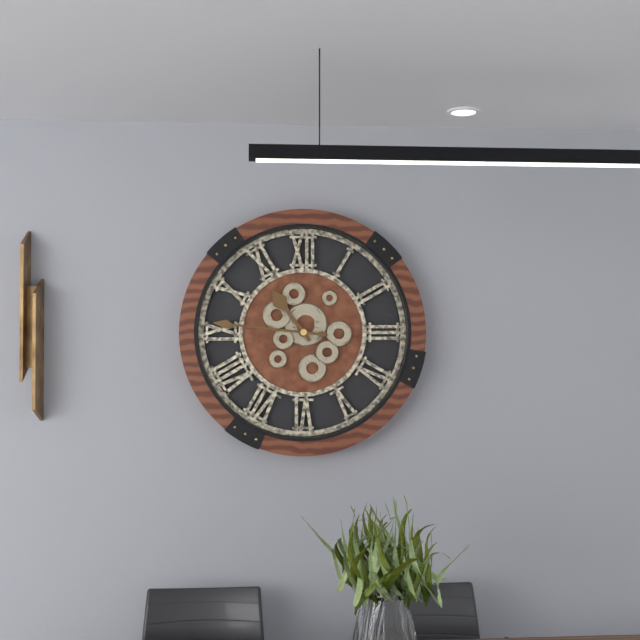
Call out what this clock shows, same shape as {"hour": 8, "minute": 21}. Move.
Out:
{"hour": 10, "minute": 46}
